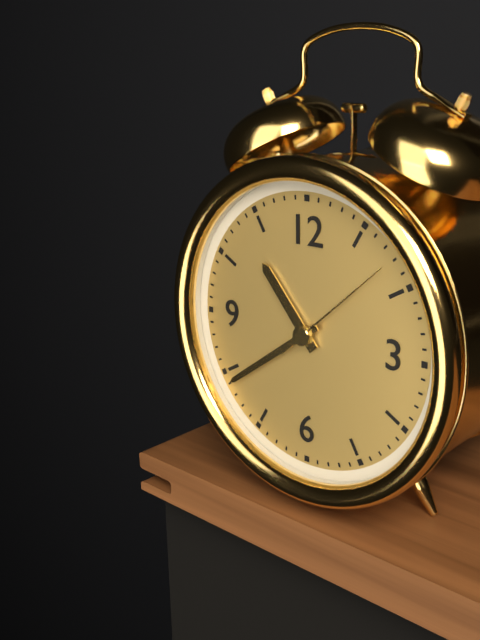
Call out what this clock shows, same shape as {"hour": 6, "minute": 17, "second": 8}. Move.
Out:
{"hour": 10, "minute": 39, "second": 8}
